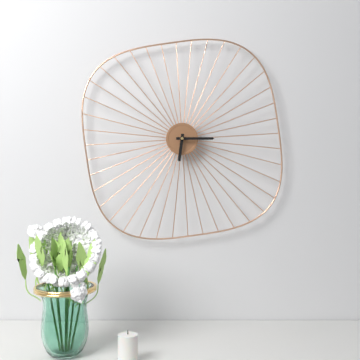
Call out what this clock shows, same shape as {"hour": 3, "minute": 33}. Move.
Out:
{"hour": 6, "minute": 15}
